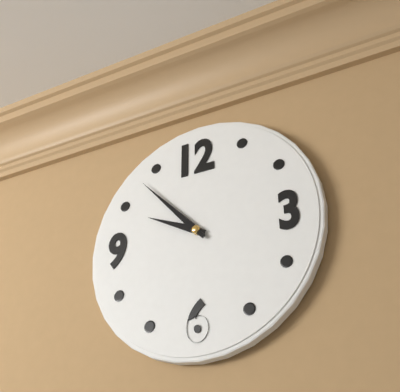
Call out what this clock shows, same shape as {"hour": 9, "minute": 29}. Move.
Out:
{"hour": 9, "minute": 53}
